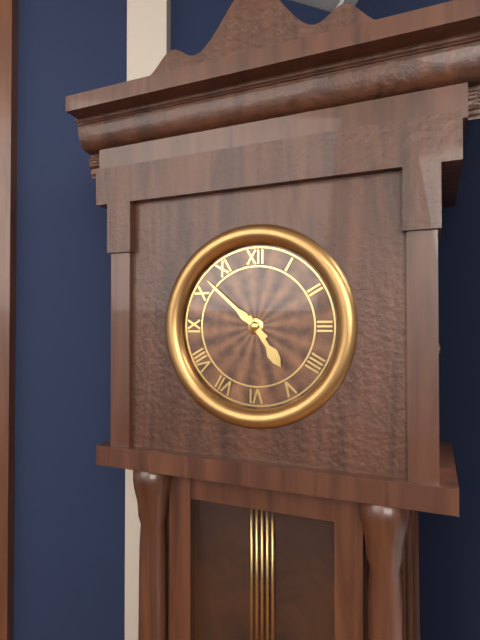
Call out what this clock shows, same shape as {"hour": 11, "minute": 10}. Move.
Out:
{"hour": 4, "minute": 52}
